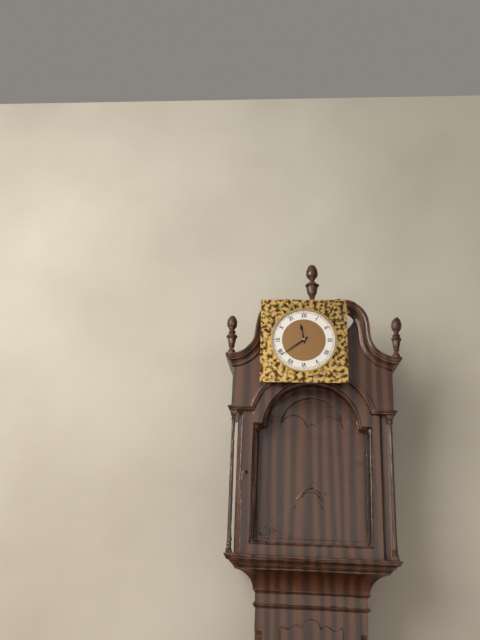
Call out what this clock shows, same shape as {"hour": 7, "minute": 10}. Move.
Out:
{"hour": 11, "minute": 39}
